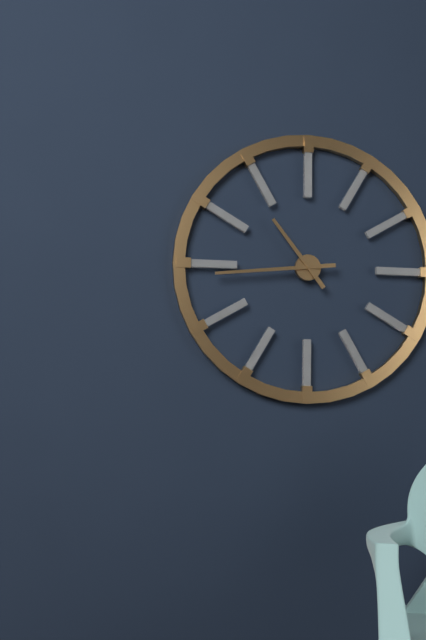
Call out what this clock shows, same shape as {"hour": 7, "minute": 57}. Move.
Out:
{"hour": 10, "minute": 44}
